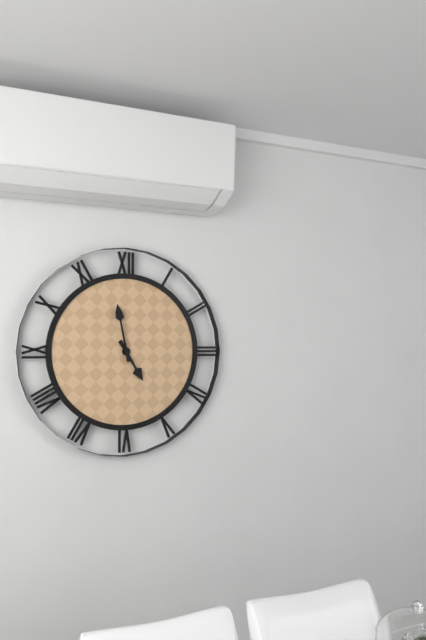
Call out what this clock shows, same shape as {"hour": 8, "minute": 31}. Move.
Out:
{"hour": 4, "minute": 58}
